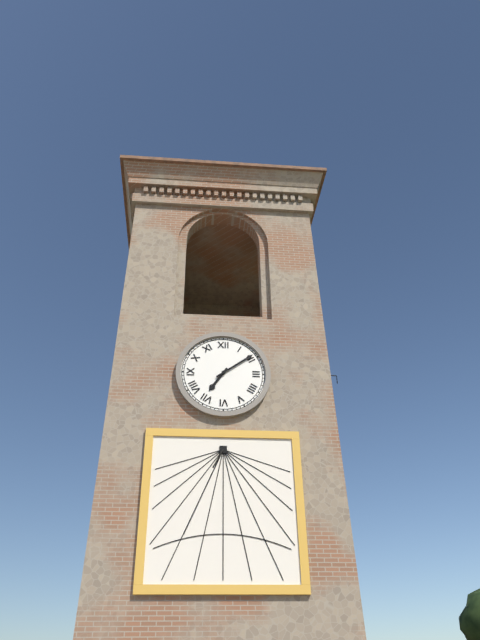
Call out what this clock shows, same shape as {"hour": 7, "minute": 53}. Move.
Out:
{"hour": 7, "minute": 9}
